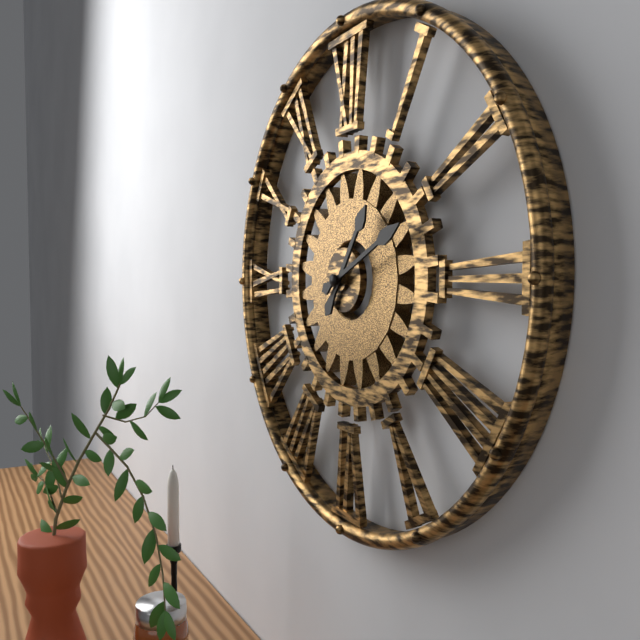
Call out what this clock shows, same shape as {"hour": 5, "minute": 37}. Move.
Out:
{"hour": 1, "minute": 11}
